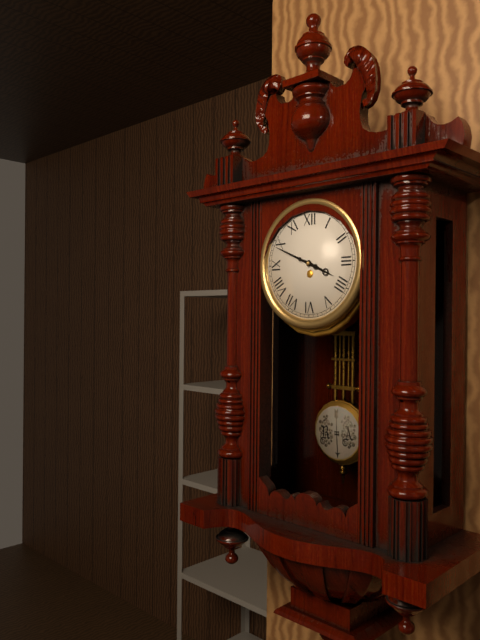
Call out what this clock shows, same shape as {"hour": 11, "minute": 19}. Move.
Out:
{"hour": 3, "minute": 49}
